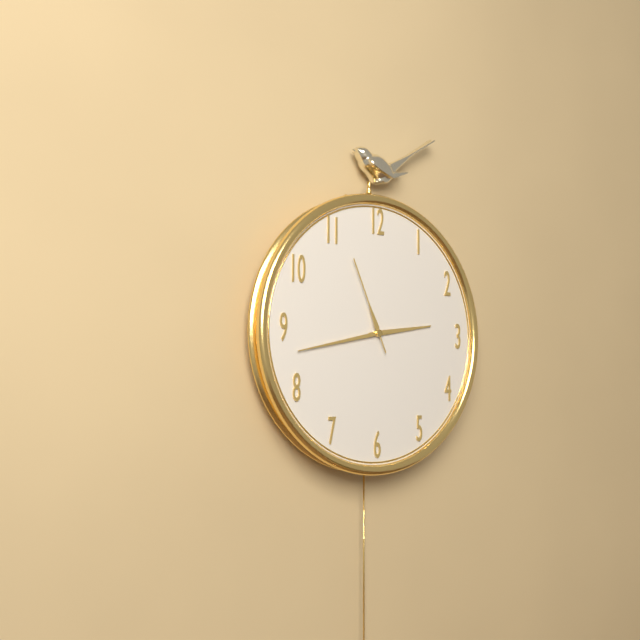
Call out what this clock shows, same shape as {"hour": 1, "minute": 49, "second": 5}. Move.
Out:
{"hour": 2, "minute": 43, "second": 56}
